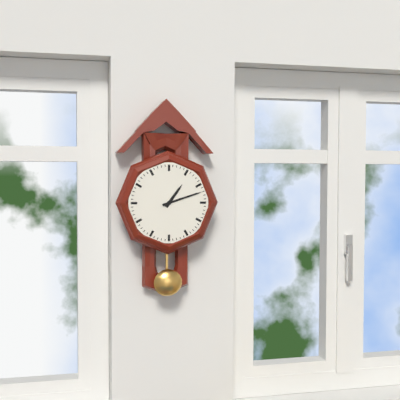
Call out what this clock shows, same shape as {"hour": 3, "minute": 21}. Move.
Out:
{"hour": 1, "minute": 12}
